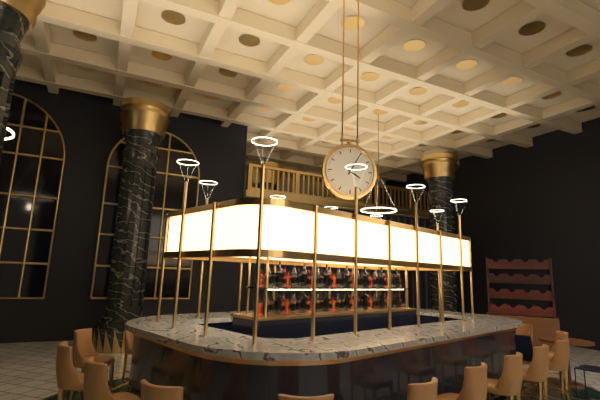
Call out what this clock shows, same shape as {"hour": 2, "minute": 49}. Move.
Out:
{"hour": 4, "minute": 5}
